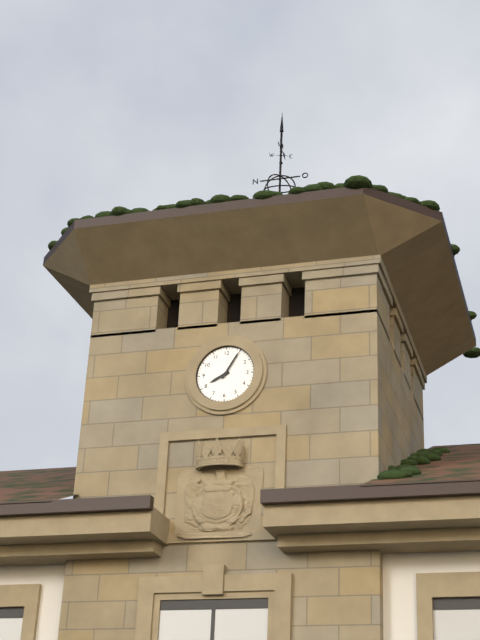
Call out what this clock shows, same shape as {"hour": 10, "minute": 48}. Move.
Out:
{"hour": 8, "minute": 5}
